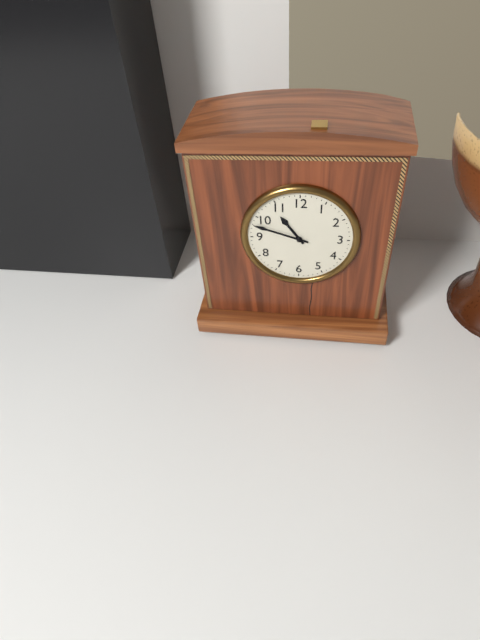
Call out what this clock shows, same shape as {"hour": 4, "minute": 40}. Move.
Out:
{"hour": 10, "minute": 48}
